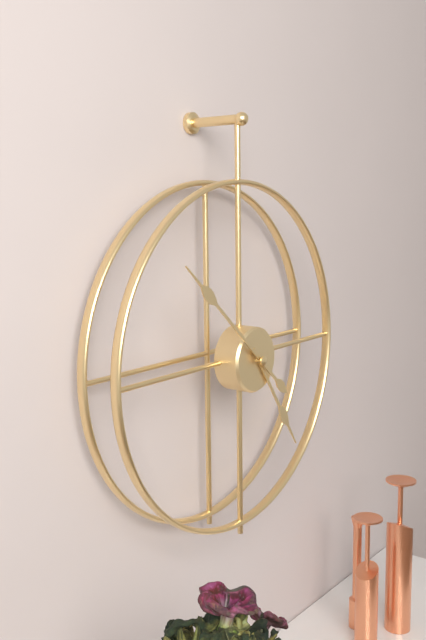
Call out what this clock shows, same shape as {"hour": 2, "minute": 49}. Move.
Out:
{"hour": 4, "minute": 52}
